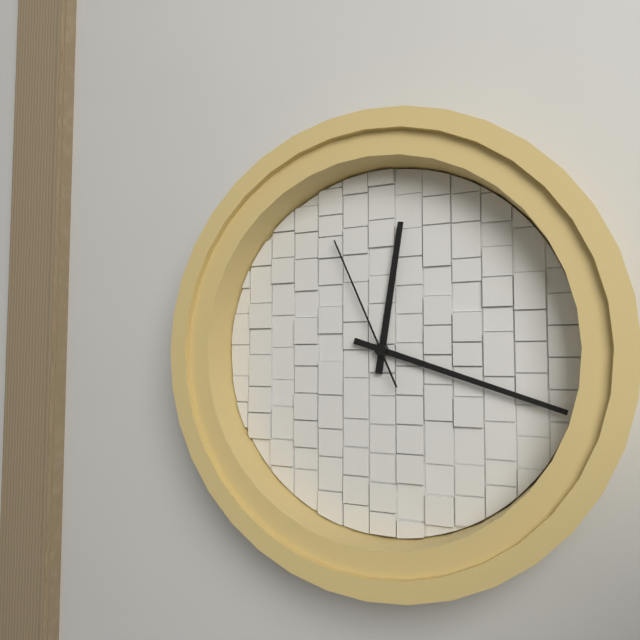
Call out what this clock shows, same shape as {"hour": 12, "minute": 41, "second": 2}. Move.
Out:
{"hour": 12, "minute": 18, "second": 56}
